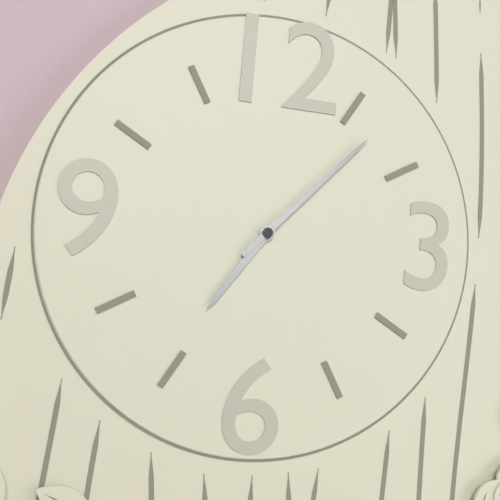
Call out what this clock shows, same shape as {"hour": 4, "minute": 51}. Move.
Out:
{"hour": 7, "minute": 7}
